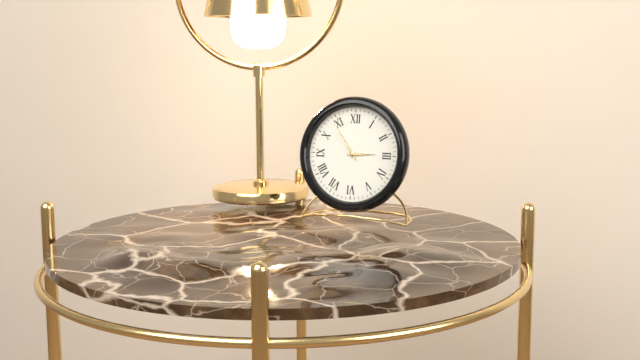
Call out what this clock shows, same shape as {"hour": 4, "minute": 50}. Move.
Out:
{"hour": 2, "minute": 54}
